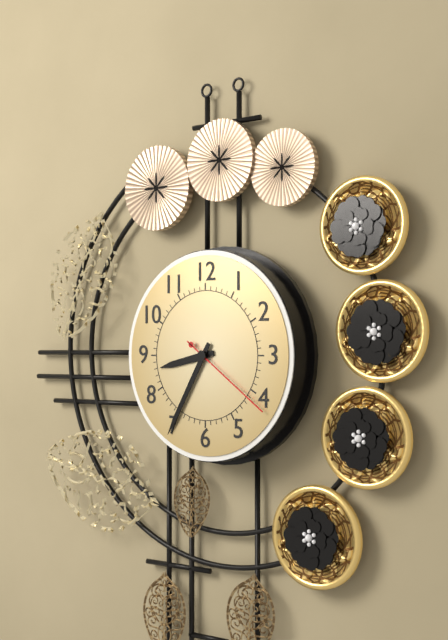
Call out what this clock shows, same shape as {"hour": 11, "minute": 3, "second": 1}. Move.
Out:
{"hour": 8, "minute": 35, "second": 21}
